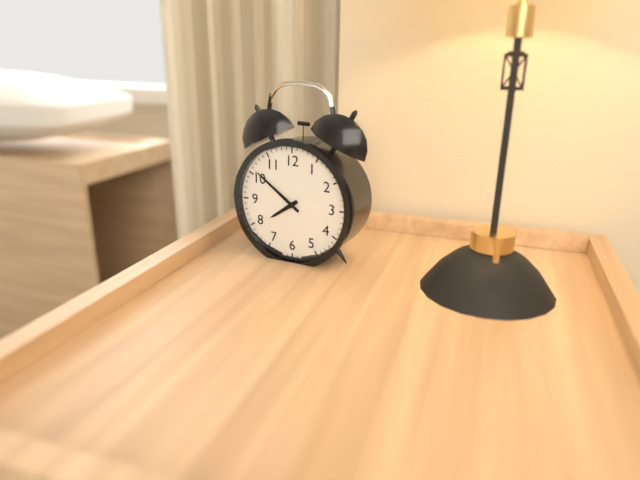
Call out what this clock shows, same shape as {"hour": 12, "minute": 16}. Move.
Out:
{"hour": 7, "minute": 51}
